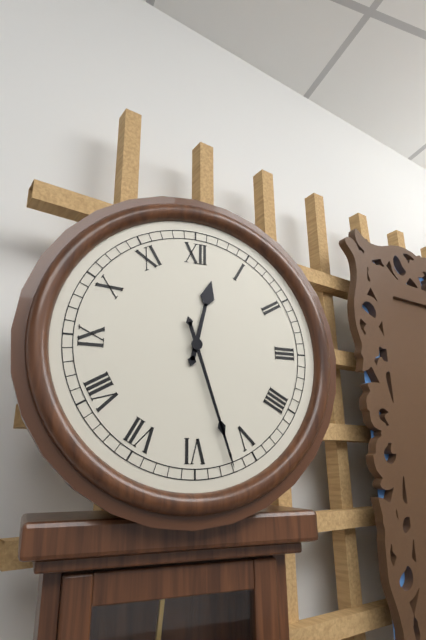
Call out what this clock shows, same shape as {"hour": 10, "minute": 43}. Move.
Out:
{"hour": 12, "minute": 27}
